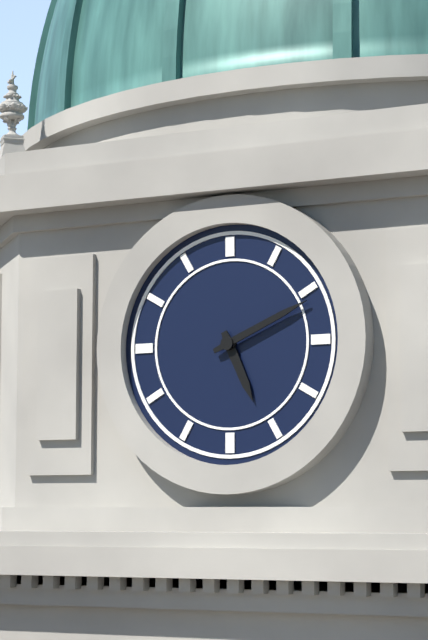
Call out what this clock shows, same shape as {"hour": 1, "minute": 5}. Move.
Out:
{"hour": 5, "minute": 11}
